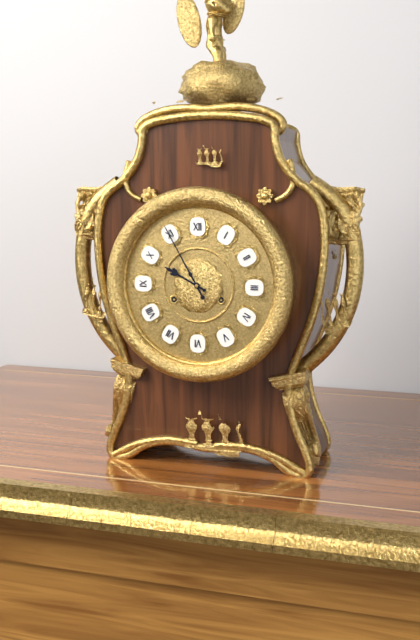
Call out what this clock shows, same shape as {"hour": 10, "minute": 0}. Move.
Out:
{"hour": 9, "minute": 55}
